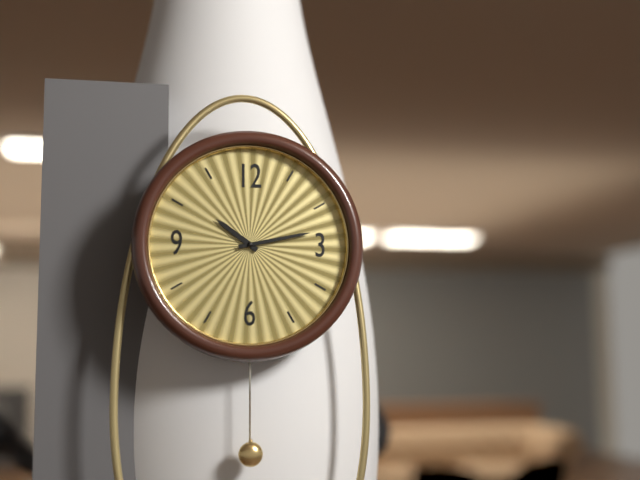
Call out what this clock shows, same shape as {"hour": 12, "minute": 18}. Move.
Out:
{"hour": 10, "minute": 13}
